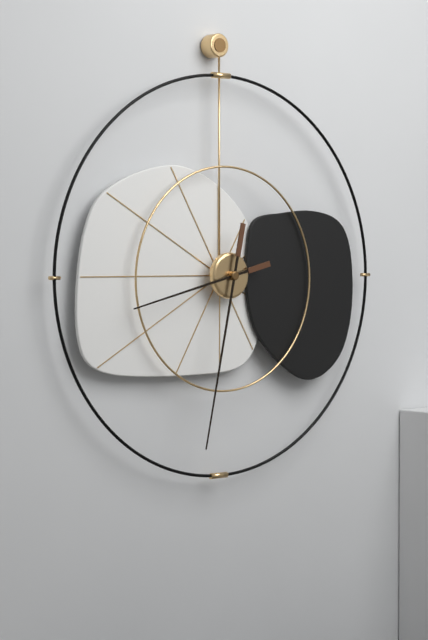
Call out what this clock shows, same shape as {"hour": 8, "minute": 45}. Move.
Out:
{"hour": 8, "minute": 32}
